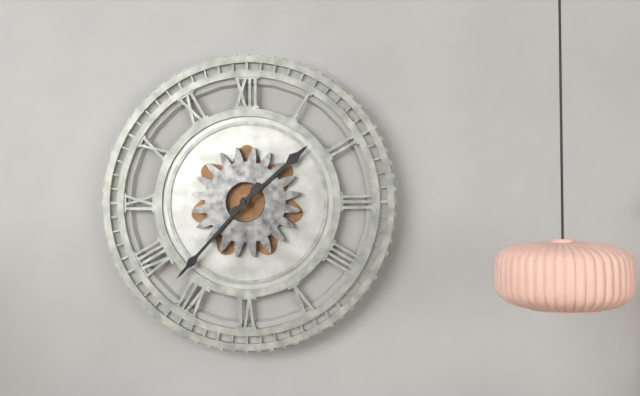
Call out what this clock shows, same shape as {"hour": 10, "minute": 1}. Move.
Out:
{"hour": 1, "minute": 37}
